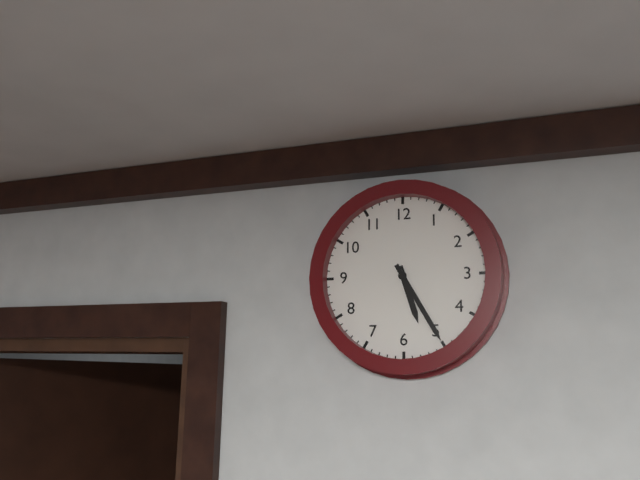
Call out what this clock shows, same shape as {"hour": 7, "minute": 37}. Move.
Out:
{"hour": 5, "minute": 25}
